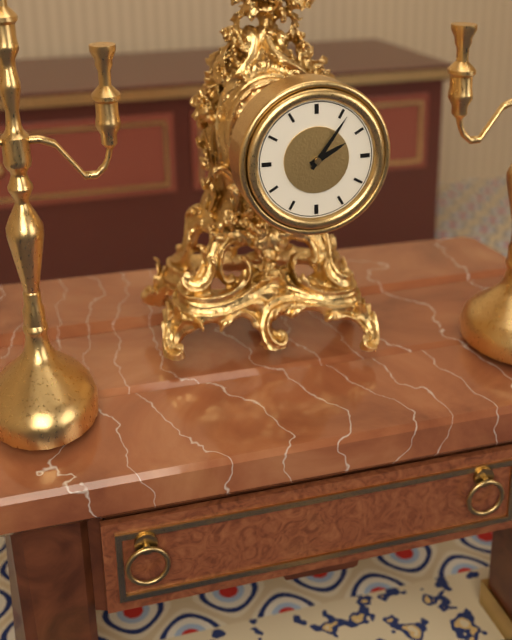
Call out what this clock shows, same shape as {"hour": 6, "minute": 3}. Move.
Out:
{"hour": 2, "minute": 6}
